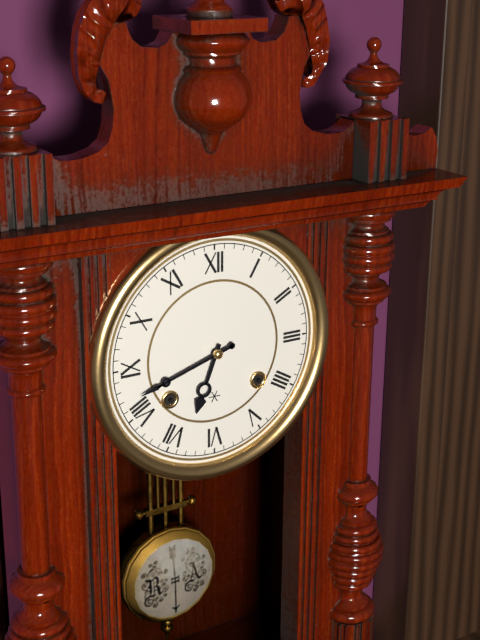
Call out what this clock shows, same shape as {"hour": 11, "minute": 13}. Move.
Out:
{"hour": 6, "minute": 42}
